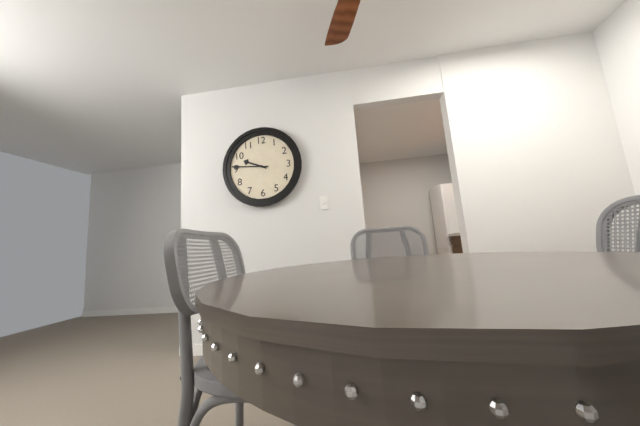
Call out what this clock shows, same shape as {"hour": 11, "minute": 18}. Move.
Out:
{"hour": 9, "minute": 46}
